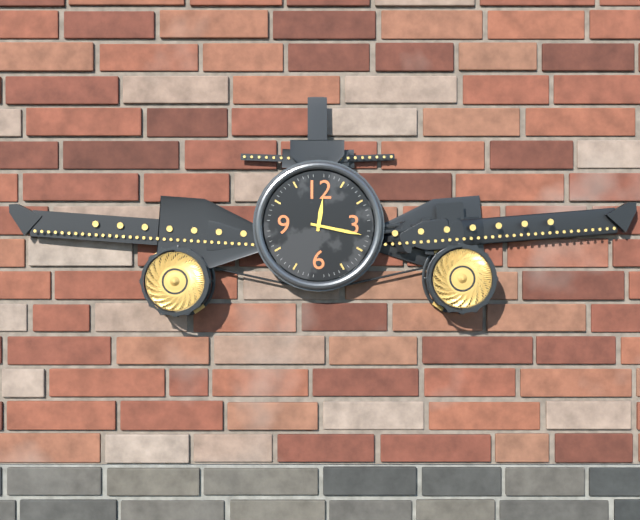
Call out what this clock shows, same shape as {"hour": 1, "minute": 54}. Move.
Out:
{"hour": 12, "minute": 17}
